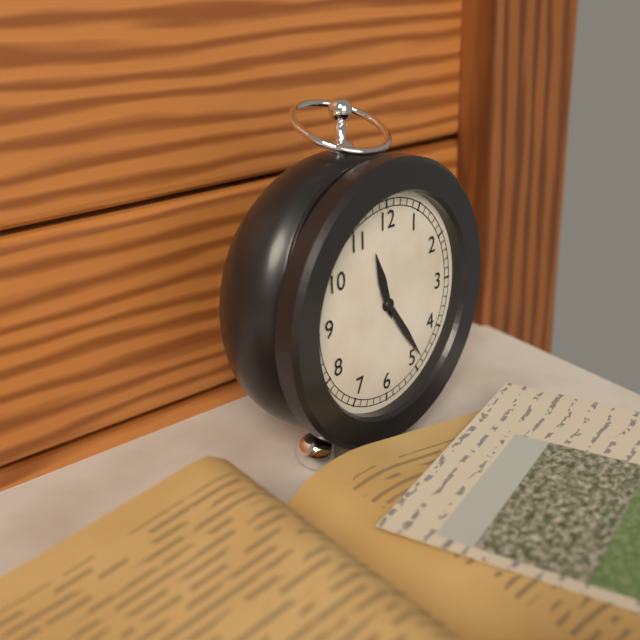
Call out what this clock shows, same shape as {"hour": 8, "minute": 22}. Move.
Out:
{"hour": 11, "minute": 24}
